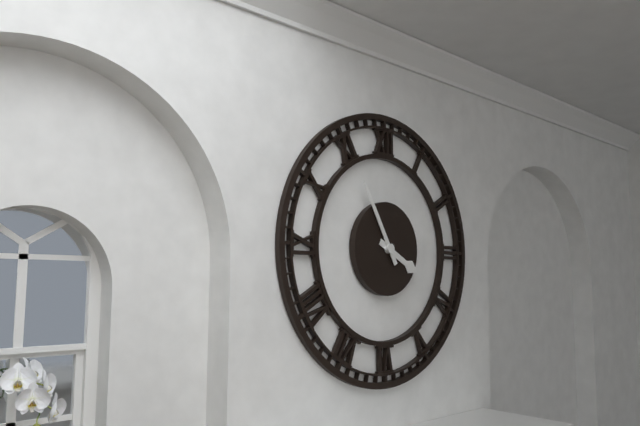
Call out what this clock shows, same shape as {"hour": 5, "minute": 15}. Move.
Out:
{"hour": 3, "minute": 55}
